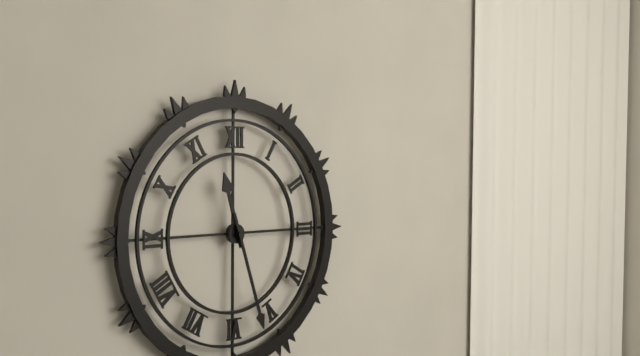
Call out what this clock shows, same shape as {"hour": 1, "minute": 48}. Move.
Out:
{"hour": 11, "minute": 27}
